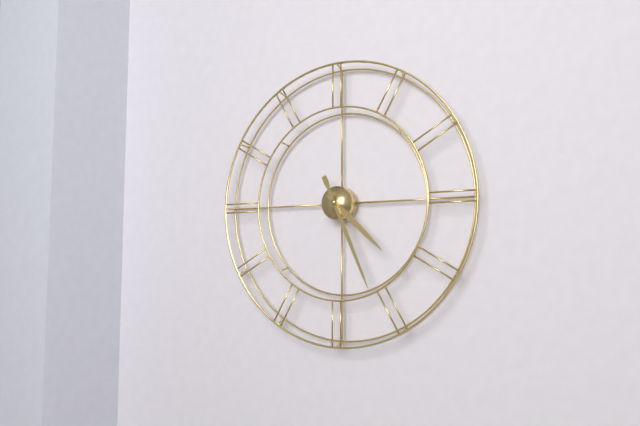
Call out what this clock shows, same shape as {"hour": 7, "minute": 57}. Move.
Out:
{"hour": 4, "minute": 26}
